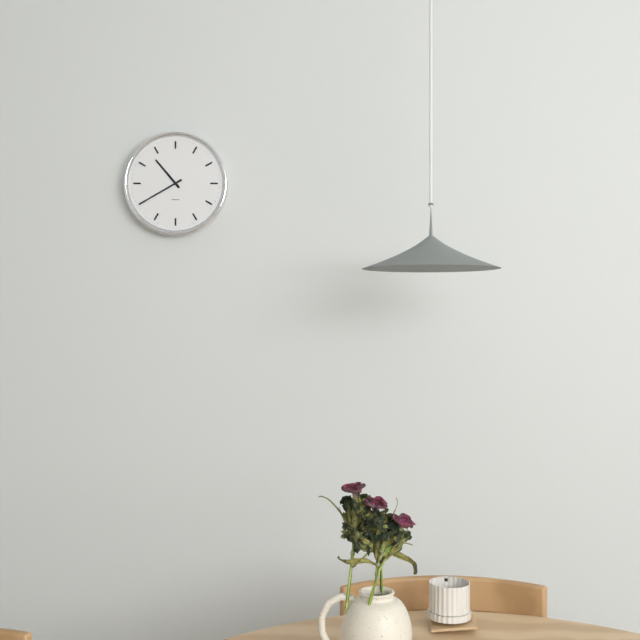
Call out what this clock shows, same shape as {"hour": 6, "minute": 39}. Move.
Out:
{"hour": 10, "minute": 40}
